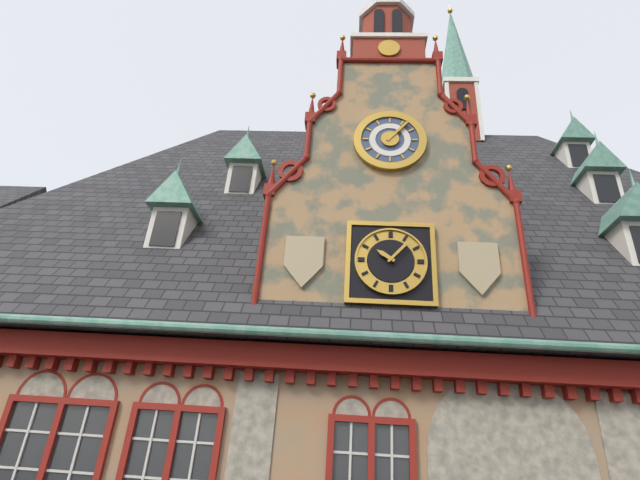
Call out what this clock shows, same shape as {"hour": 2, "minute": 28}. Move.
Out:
{"hour": 10, "minute": 7}
